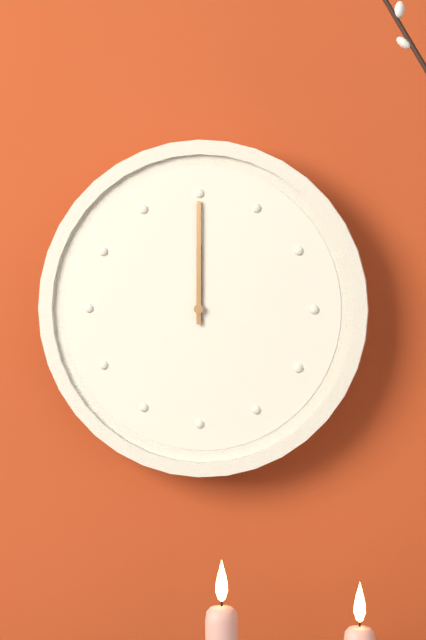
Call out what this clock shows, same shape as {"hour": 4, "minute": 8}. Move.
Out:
{"hour": 12, "minute": 0}
